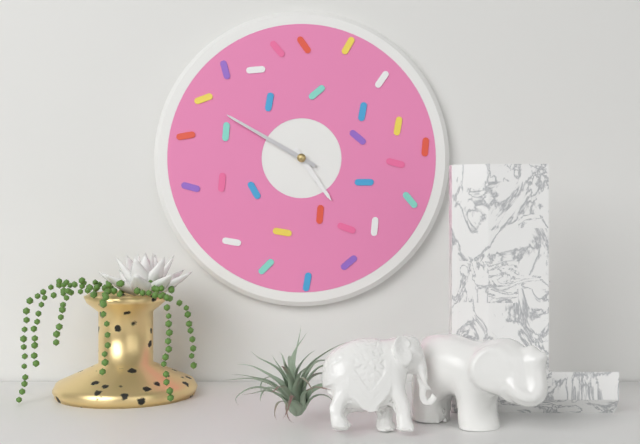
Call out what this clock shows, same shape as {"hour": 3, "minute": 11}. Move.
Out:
{"hour": 4, "minute": 50}
